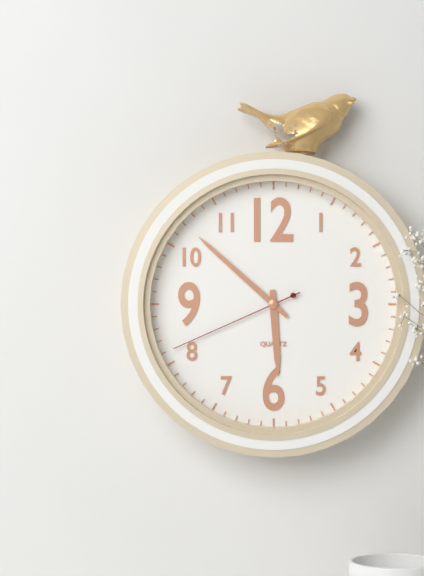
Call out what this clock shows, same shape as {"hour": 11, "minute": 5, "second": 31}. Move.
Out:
{"hour": 5, "minute": 52, "second": 41}
